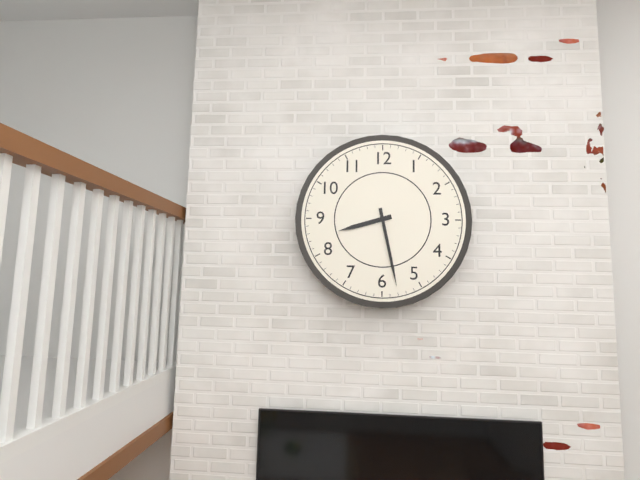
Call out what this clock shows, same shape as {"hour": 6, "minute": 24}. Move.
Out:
{"hour": 8, "minute": 28}
